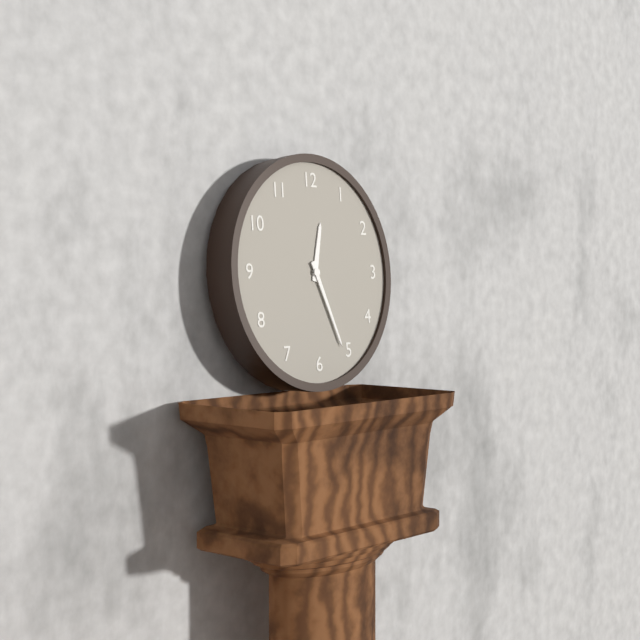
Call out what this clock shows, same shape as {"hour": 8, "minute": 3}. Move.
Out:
{"hour": 12, "minute": 26}
